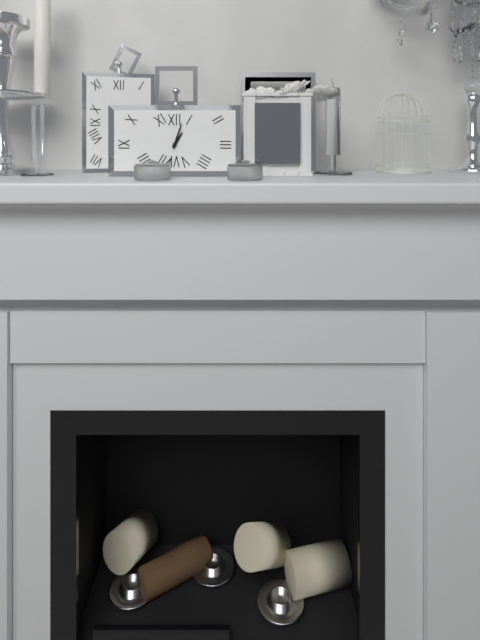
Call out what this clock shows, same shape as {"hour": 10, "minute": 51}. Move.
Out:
{"hour": 1, "minute": 3}
